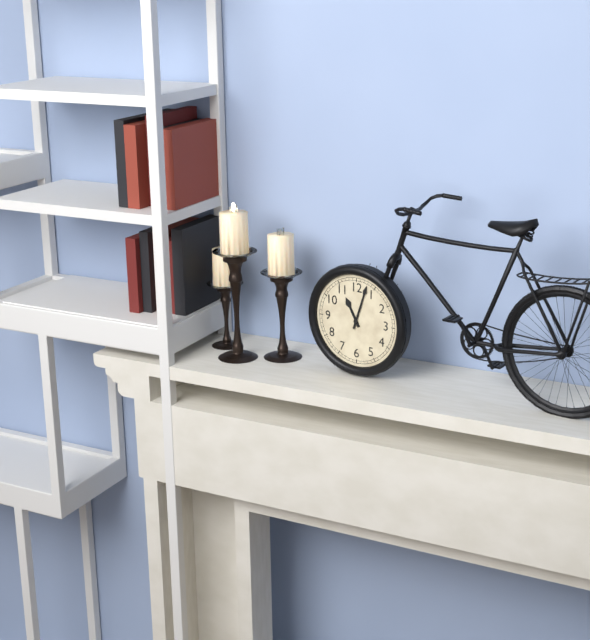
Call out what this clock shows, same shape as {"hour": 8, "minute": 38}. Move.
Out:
{"hour": 11, "minute": 3}
